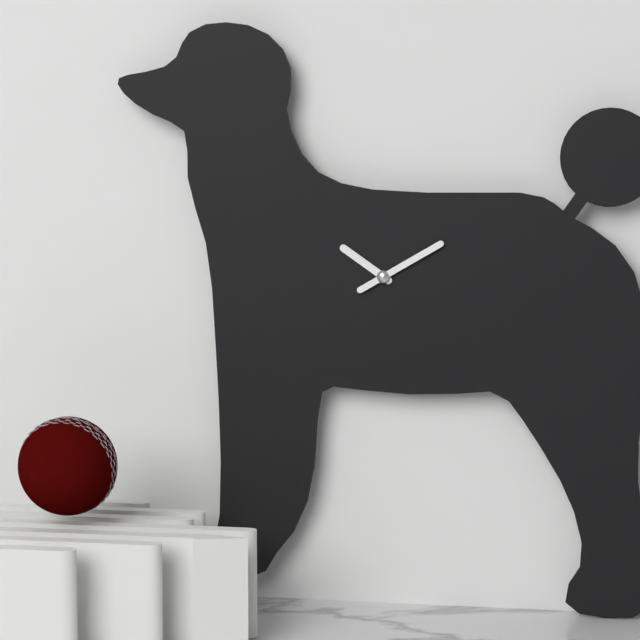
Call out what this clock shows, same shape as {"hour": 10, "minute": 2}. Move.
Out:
{"hour": 10, "minute": 10}
